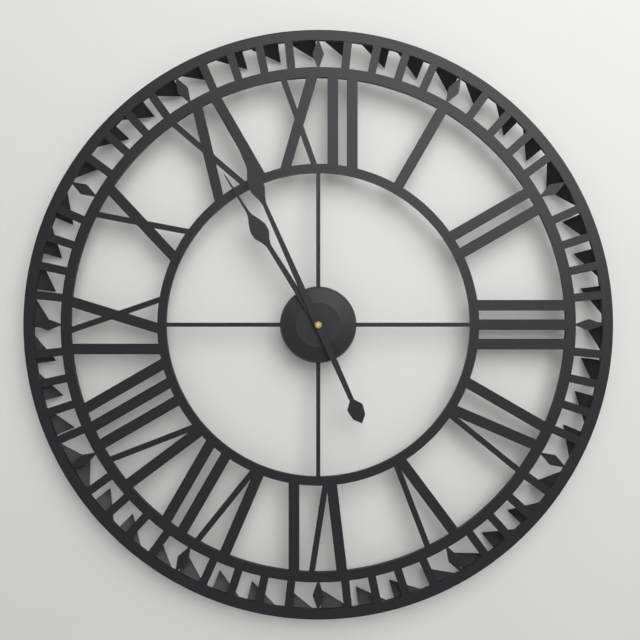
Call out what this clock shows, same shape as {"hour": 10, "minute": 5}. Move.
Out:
{"hour": 10, "minute": 56}
